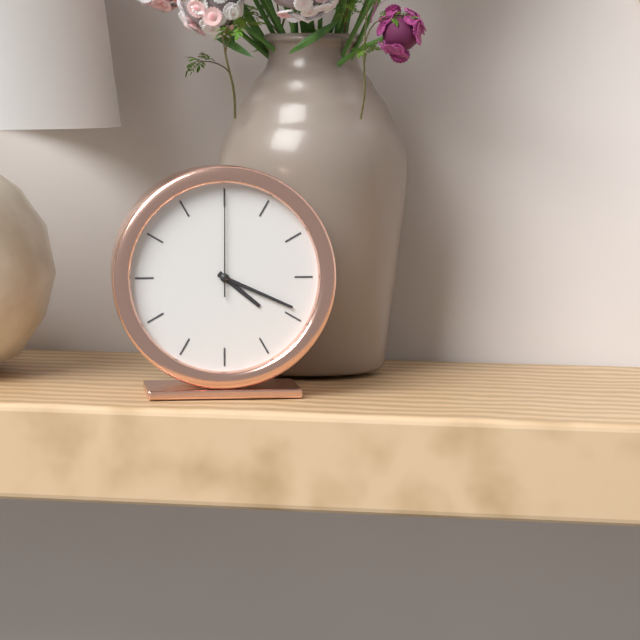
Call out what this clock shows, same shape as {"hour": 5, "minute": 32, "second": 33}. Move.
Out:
{"hour": 4, "minute": 19, "second": 0}
